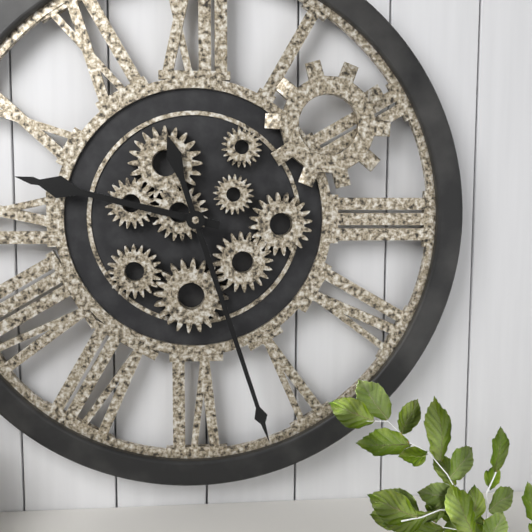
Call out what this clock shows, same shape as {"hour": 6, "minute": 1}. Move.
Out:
{"hour": 9, "minute": 27}
